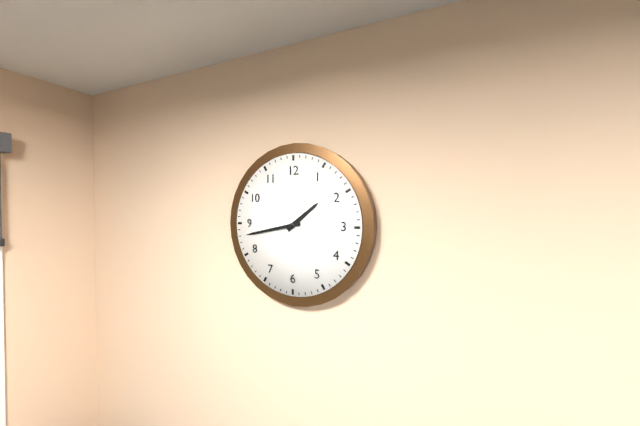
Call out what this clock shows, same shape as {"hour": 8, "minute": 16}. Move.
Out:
{"hour": 1, "minute": 43}
